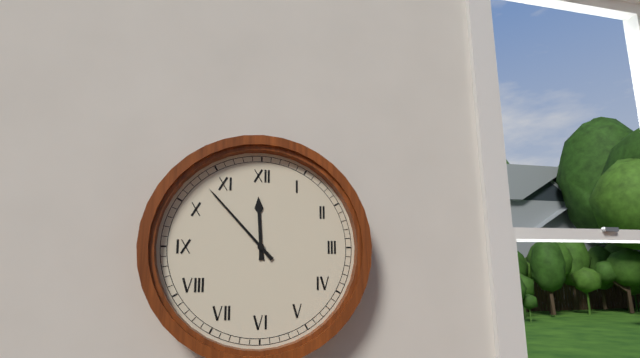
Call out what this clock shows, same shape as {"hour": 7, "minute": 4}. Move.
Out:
{"hour": 11, "minute": 53}
